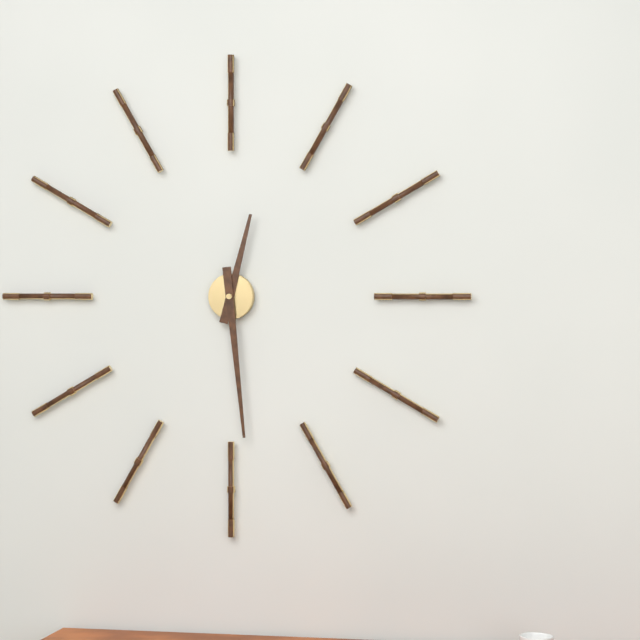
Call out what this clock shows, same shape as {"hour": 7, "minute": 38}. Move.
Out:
{"hour": 12, "minute": 29}
